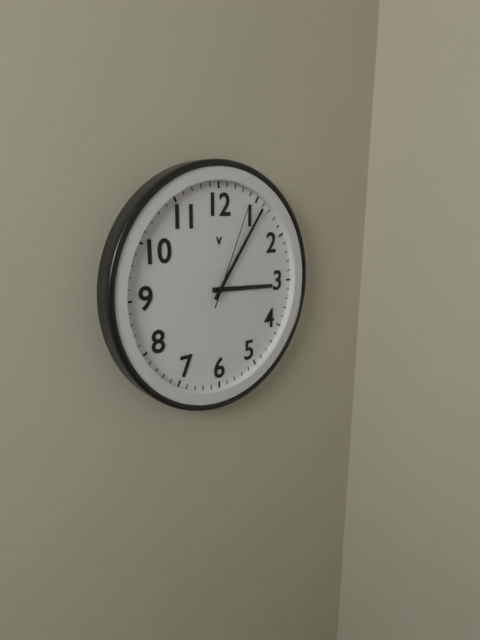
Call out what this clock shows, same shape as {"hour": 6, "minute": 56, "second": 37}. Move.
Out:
{"hour": 3, "minute": 6, "second": 4}
